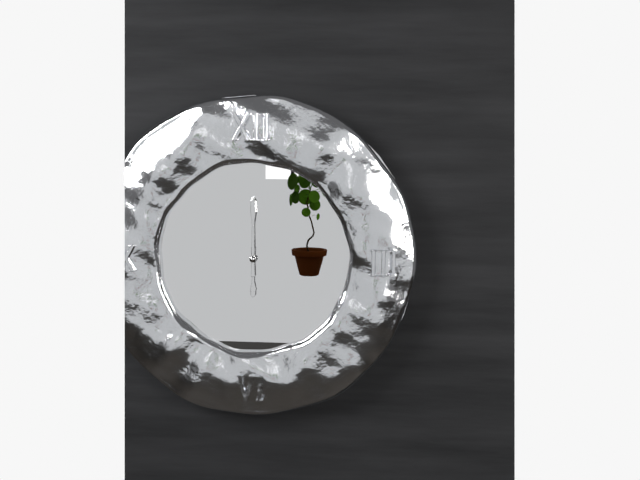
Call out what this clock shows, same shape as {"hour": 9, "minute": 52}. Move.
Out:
{"hour": 6, "minute": 0}
